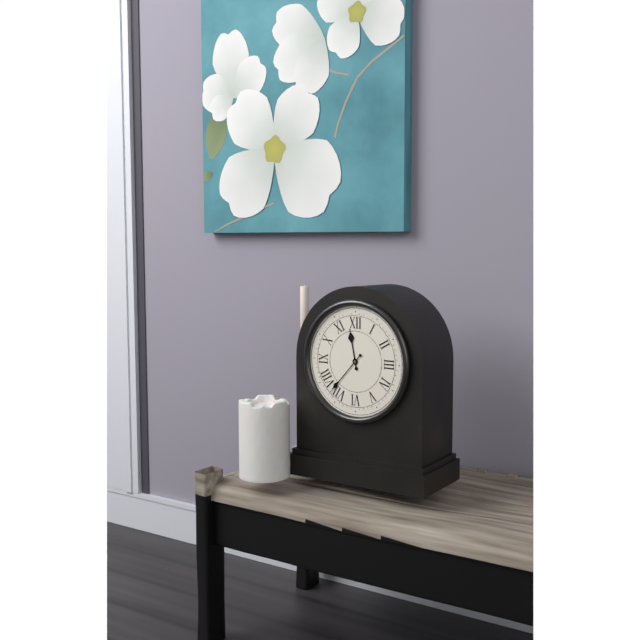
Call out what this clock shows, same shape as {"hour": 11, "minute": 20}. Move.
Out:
{"hour": 11, "minute": 37}
